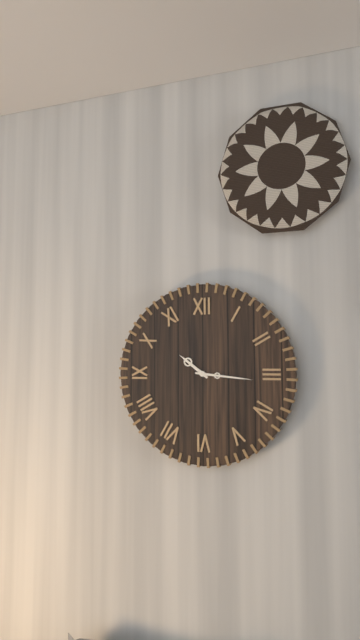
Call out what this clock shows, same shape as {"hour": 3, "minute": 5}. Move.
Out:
{"hour": 10, "minute": 16}
